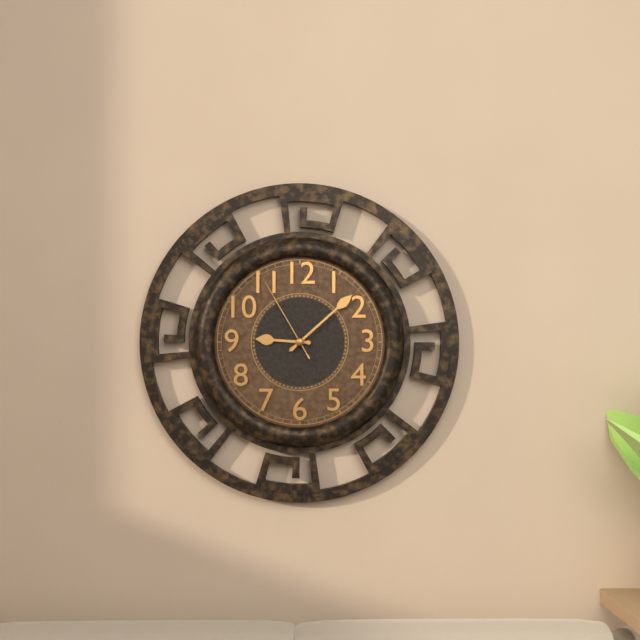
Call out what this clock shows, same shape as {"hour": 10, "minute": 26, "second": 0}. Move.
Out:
{"hour": 9, "minute": 8, "second": 55}
